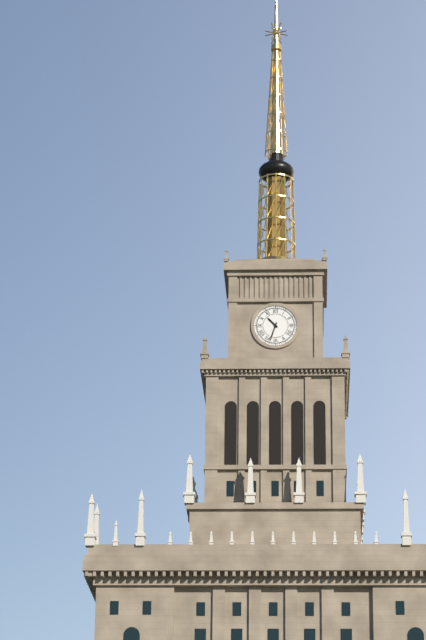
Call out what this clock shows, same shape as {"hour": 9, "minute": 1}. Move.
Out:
{"hour": 10, "minute": 33}
